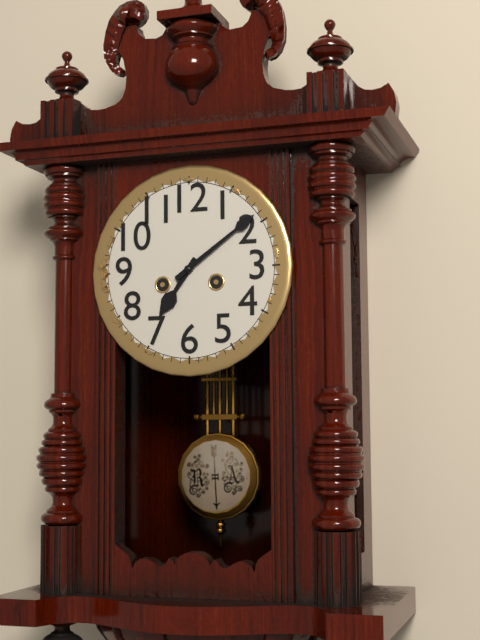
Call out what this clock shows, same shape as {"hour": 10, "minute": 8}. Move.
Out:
{"hour": 7, "minute": 9}
